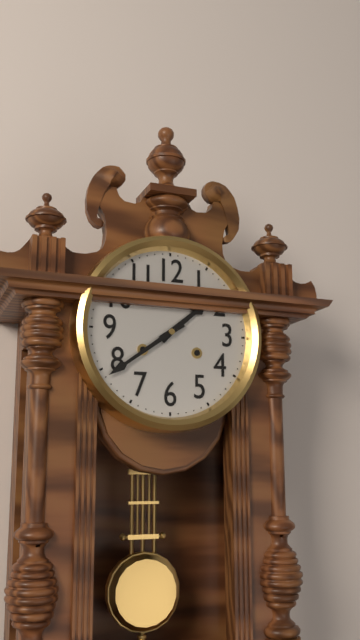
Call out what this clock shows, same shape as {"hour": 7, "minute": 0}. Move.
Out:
{"hour": 1, "minute": 39}
